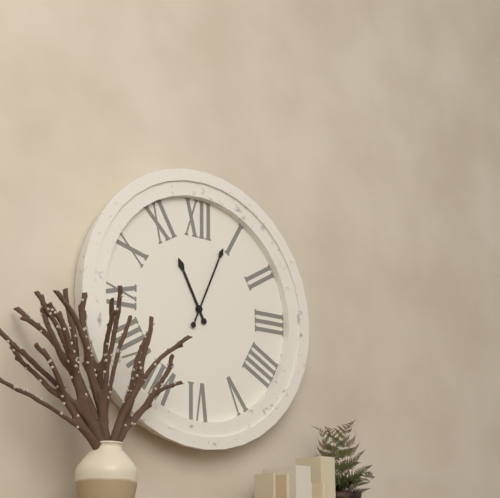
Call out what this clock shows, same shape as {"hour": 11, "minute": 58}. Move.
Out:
{"hour": 11, "minute": 4}
